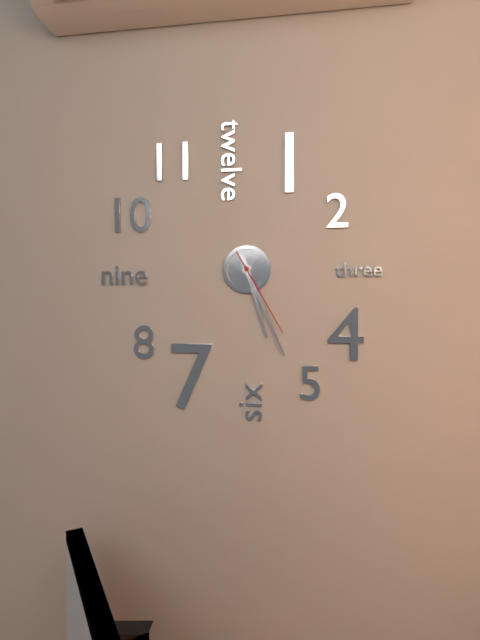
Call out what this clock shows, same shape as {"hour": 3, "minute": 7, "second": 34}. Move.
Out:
{"hour": 5, "minute": 26, "second": 25}
